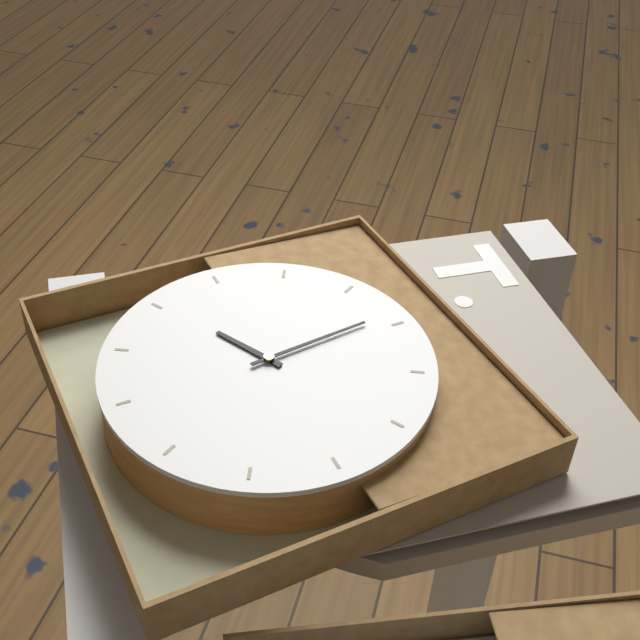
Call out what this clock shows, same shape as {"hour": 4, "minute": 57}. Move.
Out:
{"hour": 9, "minute": 4}
